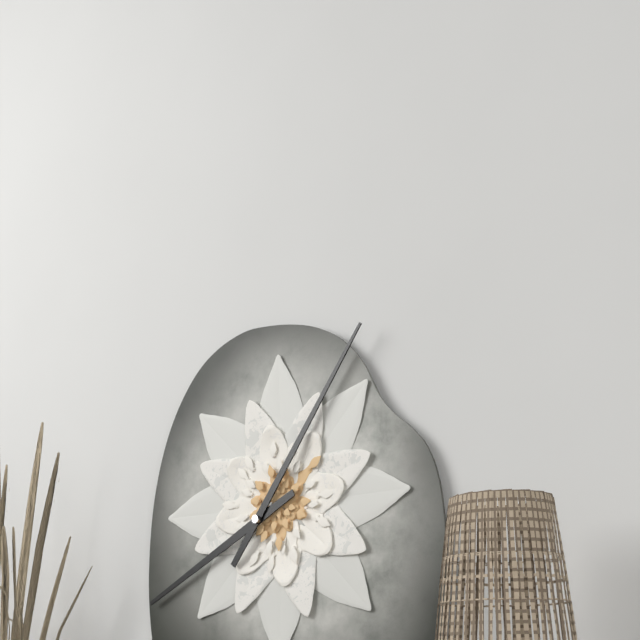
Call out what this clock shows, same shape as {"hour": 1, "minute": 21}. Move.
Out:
{"hour": 8, "minute": 6}
